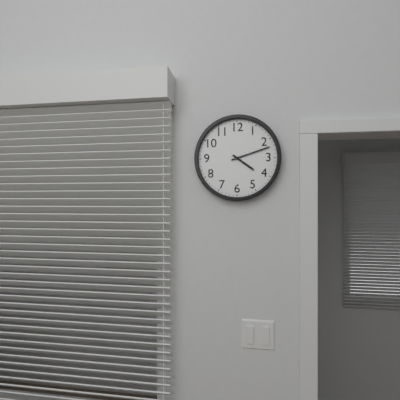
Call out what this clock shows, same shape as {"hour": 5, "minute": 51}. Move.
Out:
{"hour": 4, "minute": 12}
